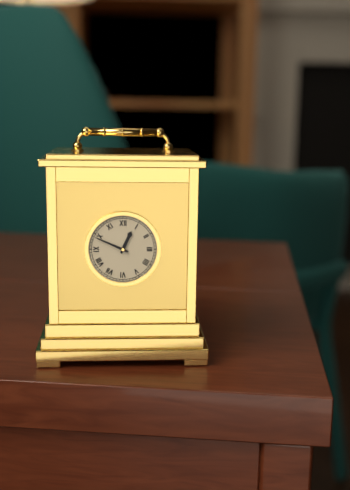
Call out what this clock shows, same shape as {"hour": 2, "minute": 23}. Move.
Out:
{"hour": 12, "minute": 49}
